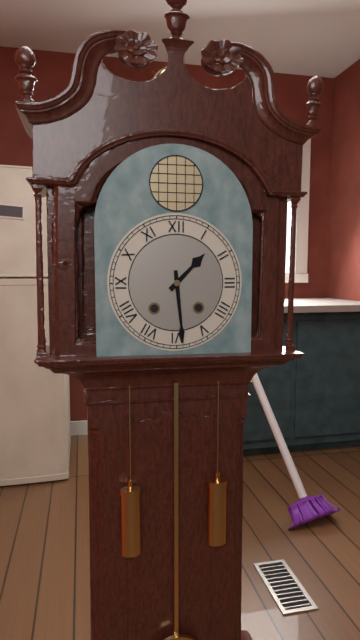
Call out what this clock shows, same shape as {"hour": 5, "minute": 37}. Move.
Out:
{"hour": 1, "minute": 29}
